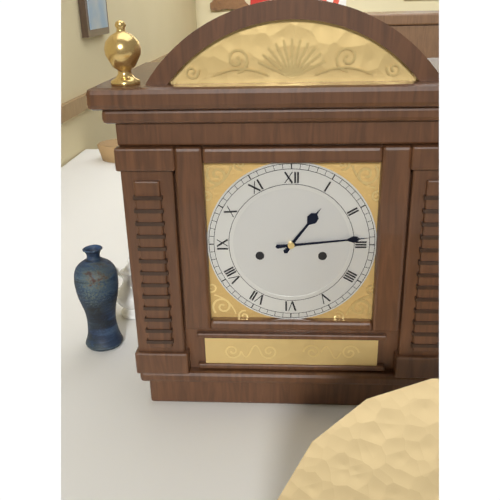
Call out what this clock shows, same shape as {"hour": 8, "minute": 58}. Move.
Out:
{"hour": 1, "minute": 14}
